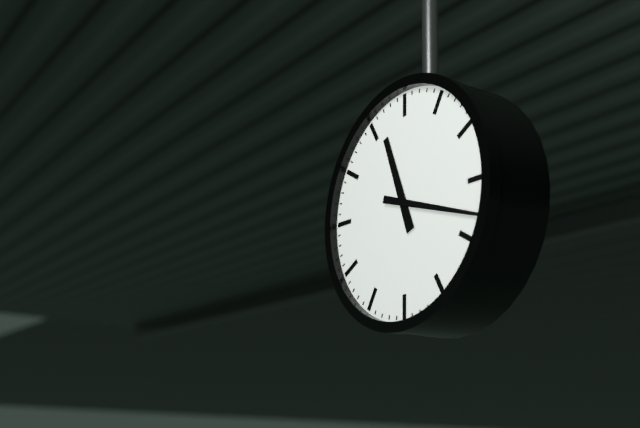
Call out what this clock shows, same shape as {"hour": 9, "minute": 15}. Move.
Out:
{"hour": 11, "minute": 18}
